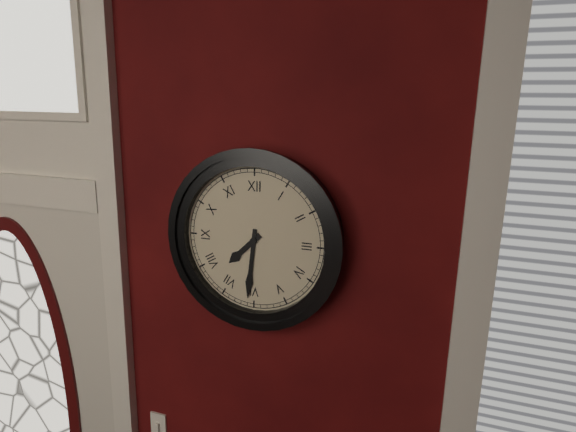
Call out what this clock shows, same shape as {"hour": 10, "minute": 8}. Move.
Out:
{"hour": 7, "minute": 31}
